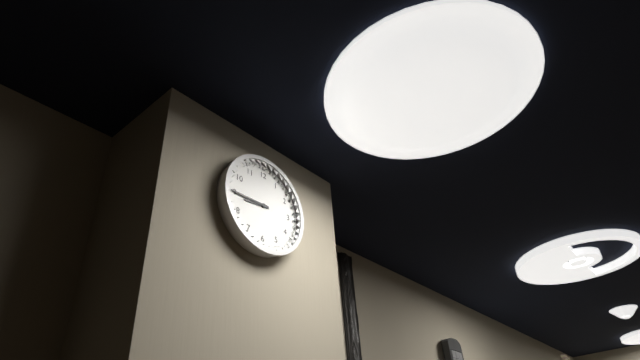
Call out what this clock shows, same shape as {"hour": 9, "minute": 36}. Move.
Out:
{"hour": 8, "minute": 45}
